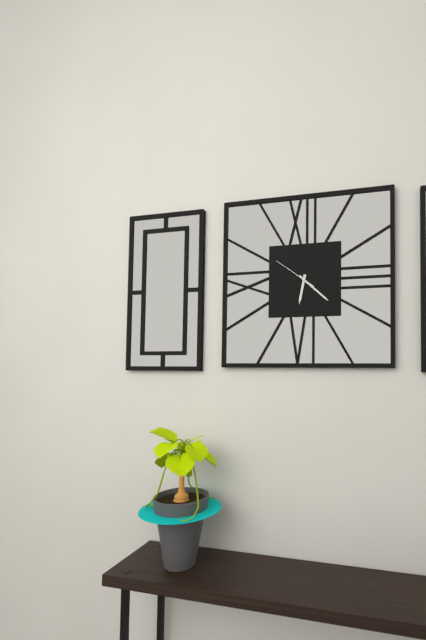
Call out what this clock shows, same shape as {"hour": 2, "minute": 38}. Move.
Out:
{"hour": 6, "minute": 22}
